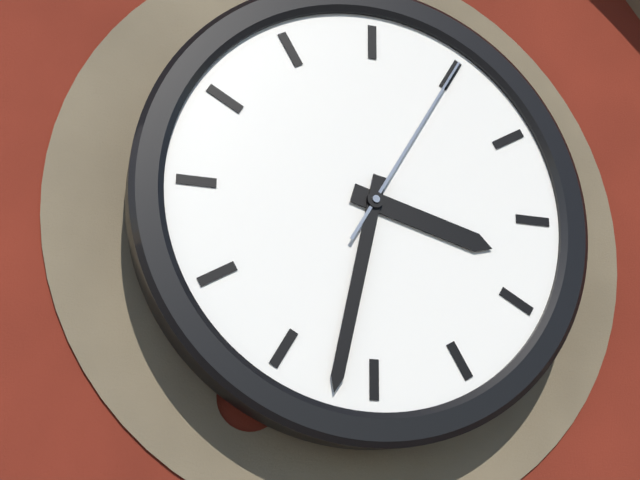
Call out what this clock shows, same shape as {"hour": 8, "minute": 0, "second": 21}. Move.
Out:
{"hour": 3, "minute": 32, "second": 5}
